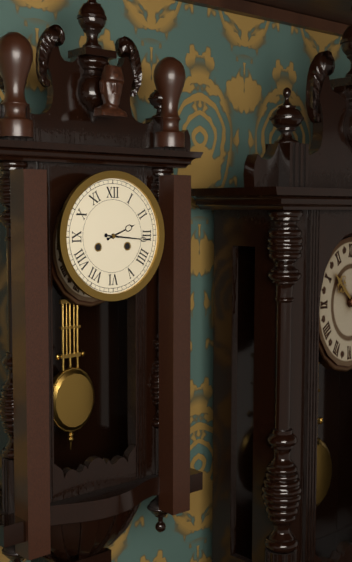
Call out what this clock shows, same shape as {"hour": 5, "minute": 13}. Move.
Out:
{"hour": 2, "minute": 16}
